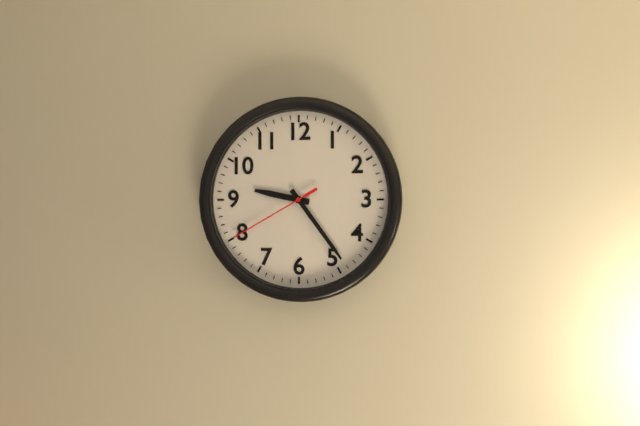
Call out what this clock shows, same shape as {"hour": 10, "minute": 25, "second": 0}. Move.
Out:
{"hour": 9, "minute": 24, "second": 40}
